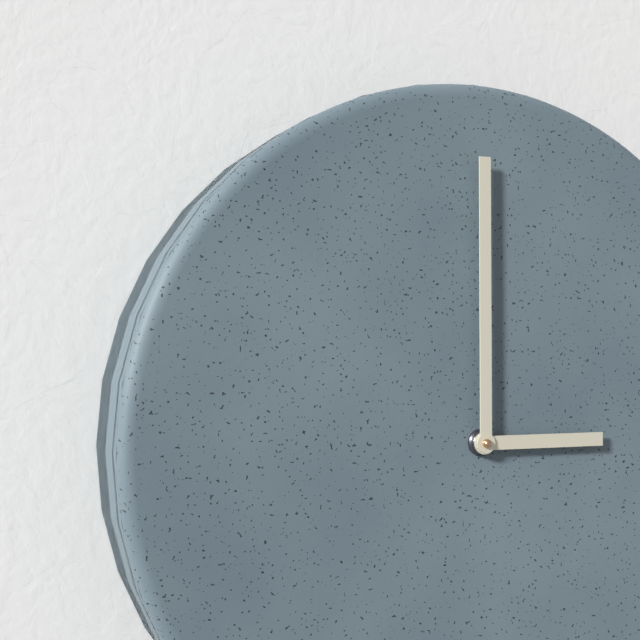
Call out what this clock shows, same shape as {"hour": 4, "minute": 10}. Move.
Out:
{"hour": 3, "minute": 0}
